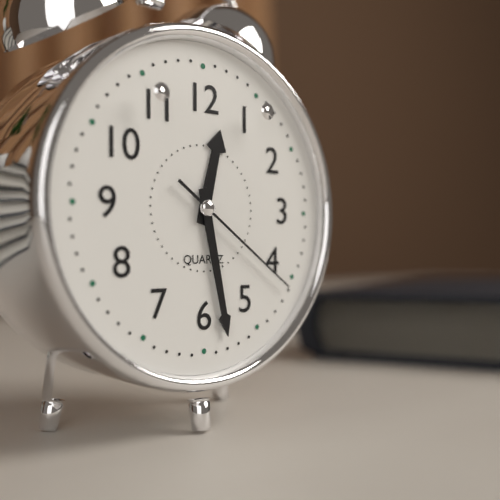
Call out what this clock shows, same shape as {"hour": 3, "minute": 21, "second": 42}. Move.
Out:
{"hour": 12, "minute": 28, "second": 21}
